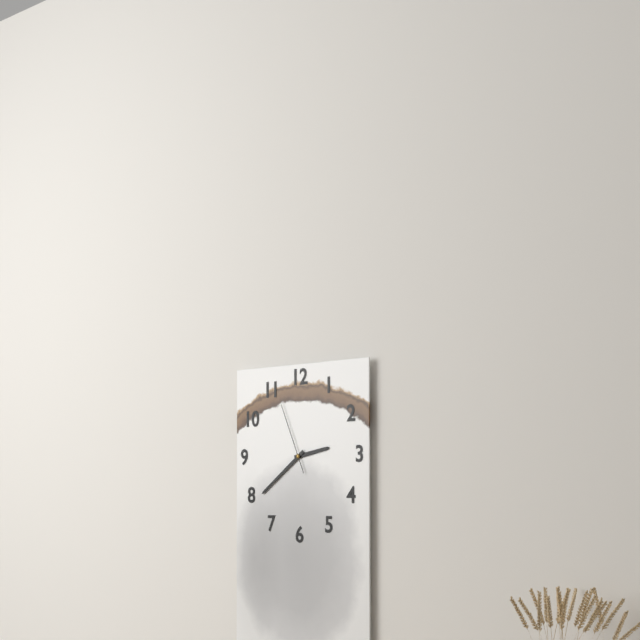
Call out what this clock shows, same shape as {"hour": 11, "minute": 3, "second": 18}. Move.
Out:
{"hour": 2, "minute": 39, "second": 56}
